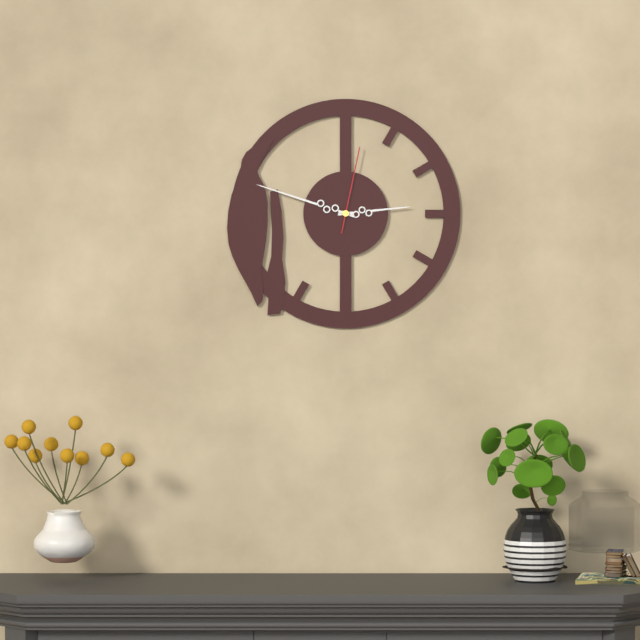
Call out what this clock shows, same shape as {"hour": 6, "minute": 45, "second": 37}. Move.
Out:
{"hour": 2, "minute": 48, "second": 2}
